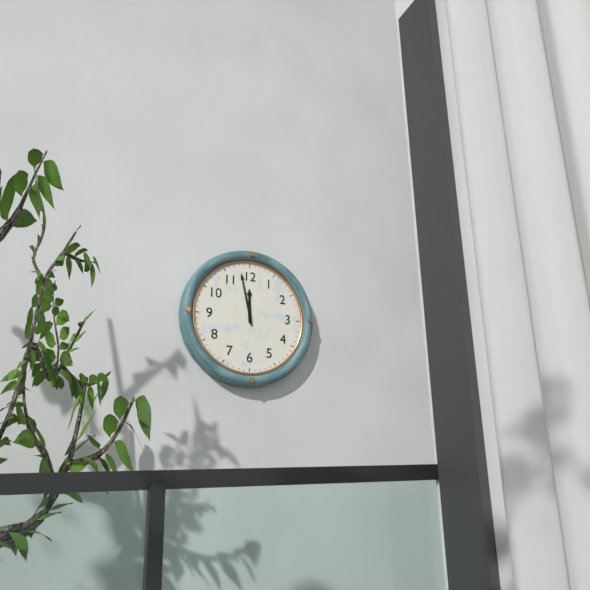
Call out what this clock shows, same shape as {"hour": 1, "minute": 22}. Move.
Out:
{"hour": 11, "minute": 58}
